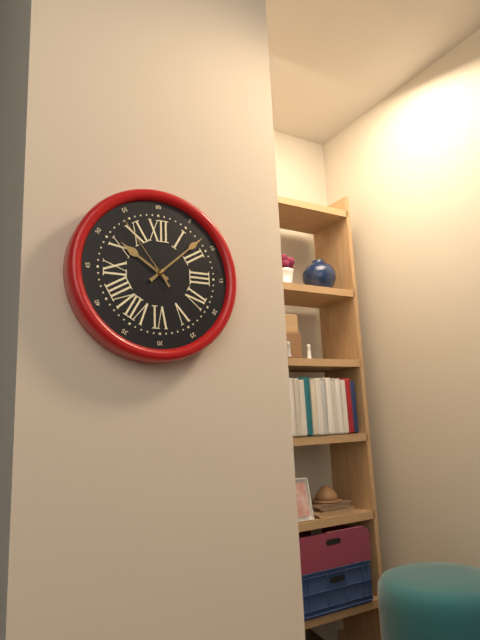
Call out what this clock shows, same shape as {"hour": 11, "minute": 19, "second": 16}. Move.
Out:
{"hour": 10, "minute": 8, "second": 54}
